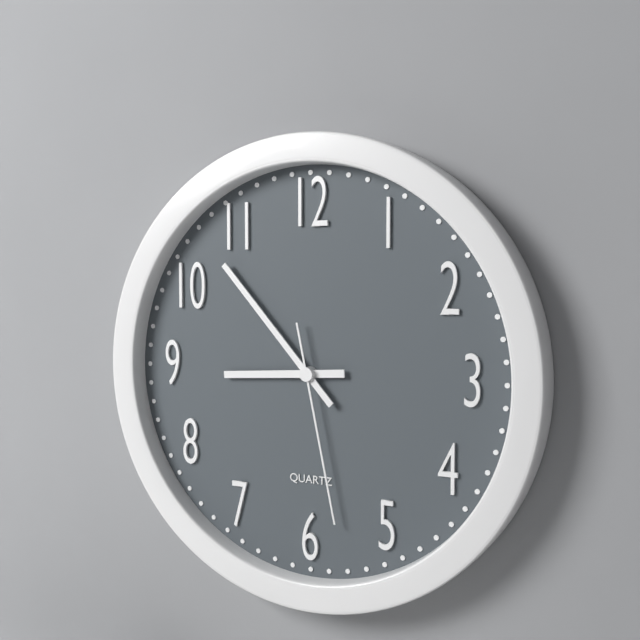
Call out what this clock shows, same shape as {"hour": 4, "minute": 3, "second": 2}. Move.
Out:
{"hour": 8, "minute": 53, "second": 28}
